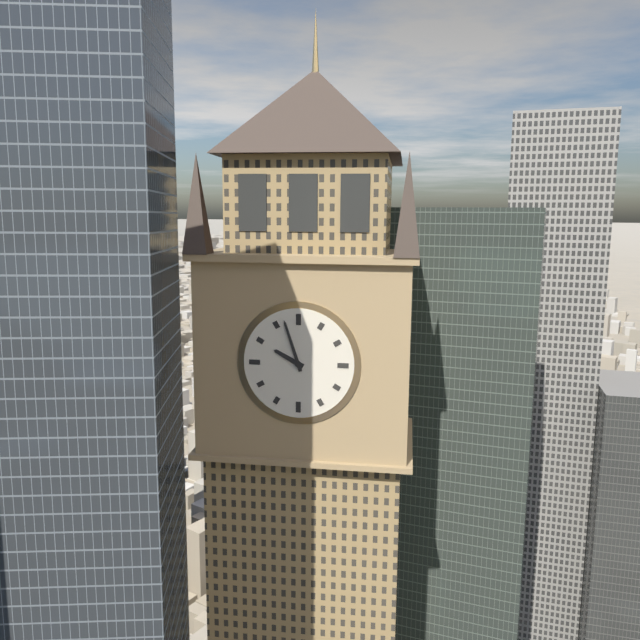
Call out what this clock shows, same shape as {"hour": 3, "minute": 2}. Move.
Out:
{"hour": 9, "minute": 57}
